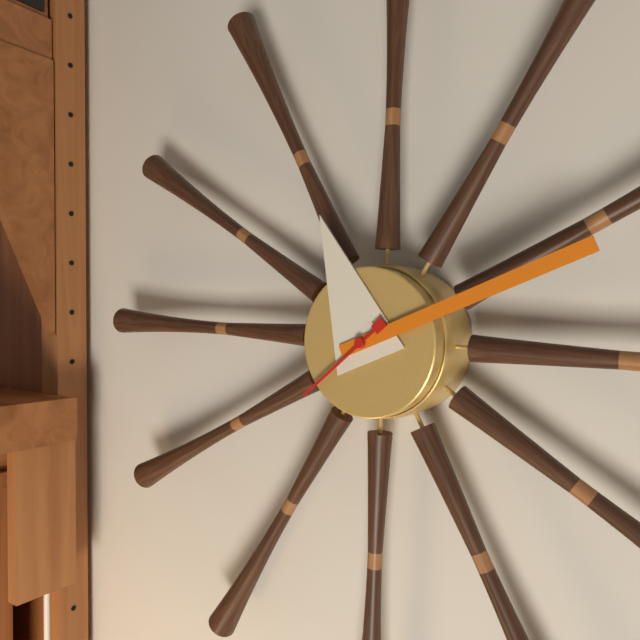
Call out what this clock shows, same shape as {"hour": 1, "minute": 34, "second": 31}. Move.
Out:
{"hour": 11, "minute": 11, "second": 38}
